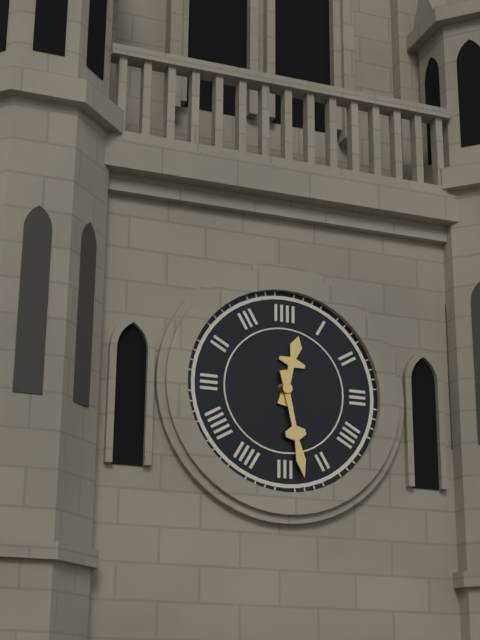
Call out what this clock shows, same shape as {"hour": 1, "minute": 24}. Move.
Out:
{"hour": 12, "minute": 28}
